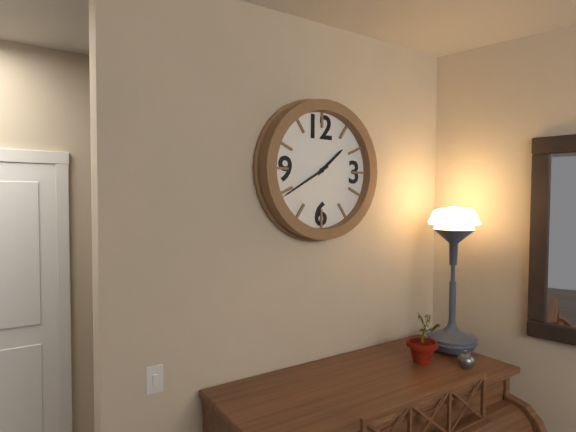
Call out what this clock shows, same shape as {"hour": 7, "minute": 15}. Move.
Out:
{"hour": 1, "minute": 40}
